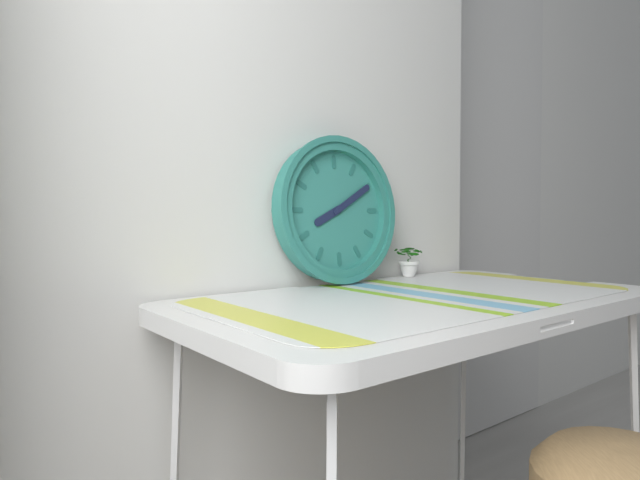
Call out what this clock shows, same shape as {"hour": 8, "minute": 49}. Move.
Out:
{"hour": 8, "minute": 10}
